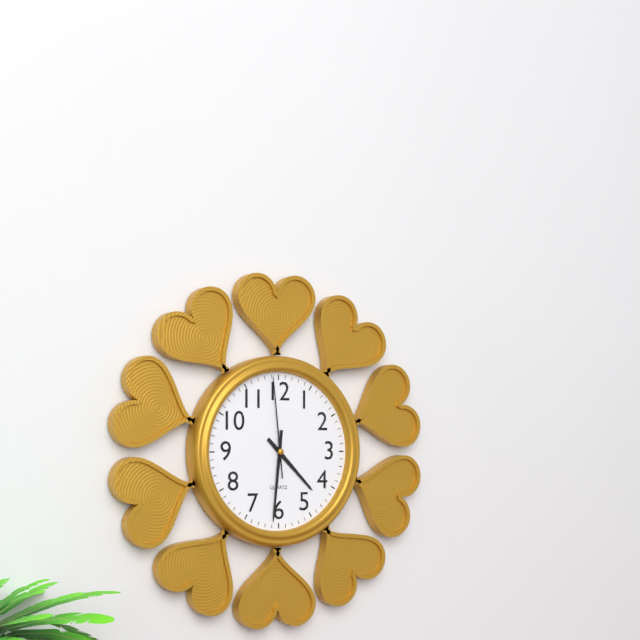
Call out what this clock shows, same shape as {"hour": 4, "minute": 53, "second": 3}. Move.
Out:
{"hour": 4, "minute": 31, "second": 59}
